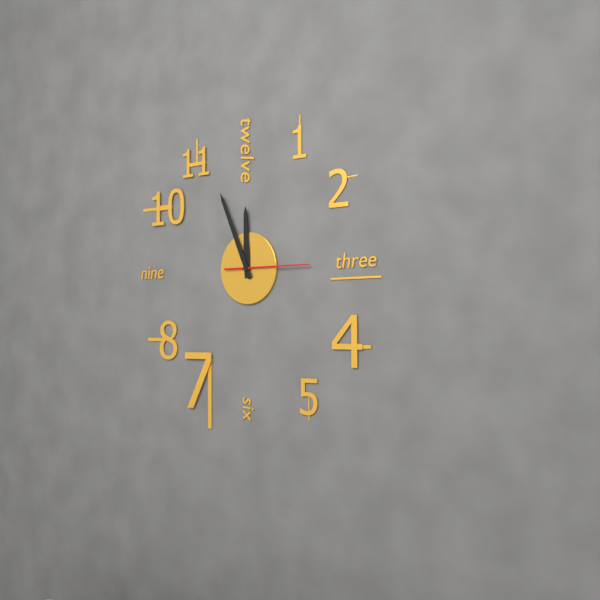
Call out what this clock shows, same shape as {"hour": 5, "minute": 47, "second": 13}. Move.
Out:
{"hour": 11, "minute": 56, "second": 15}
